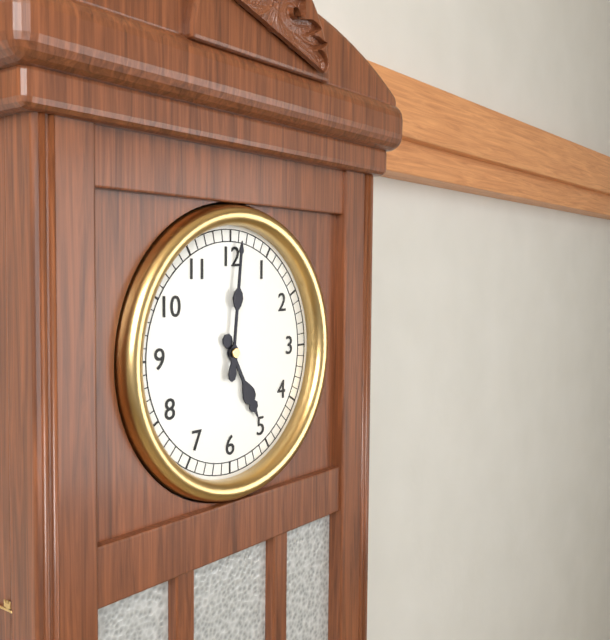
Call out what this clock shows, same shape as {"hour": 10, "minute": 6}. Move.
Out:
{"hour": 5, "minute": 1}
